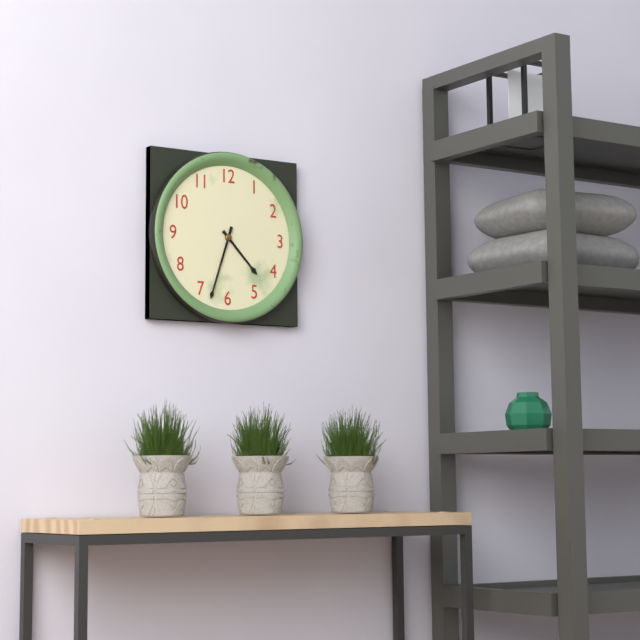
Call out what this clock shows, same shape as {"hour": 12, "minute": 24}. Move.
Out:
{"hour": 4, "minute": 33}
